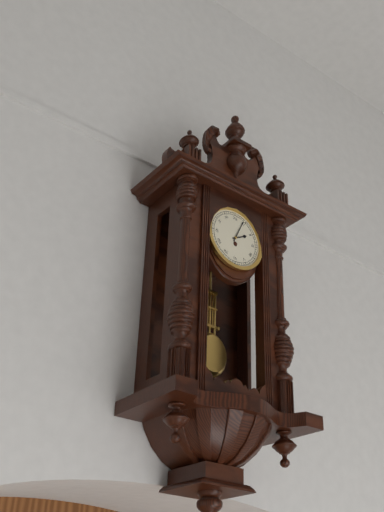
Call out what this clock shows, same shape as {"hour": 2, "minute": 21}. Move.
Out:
{"hour": 2, "minute": 4}
